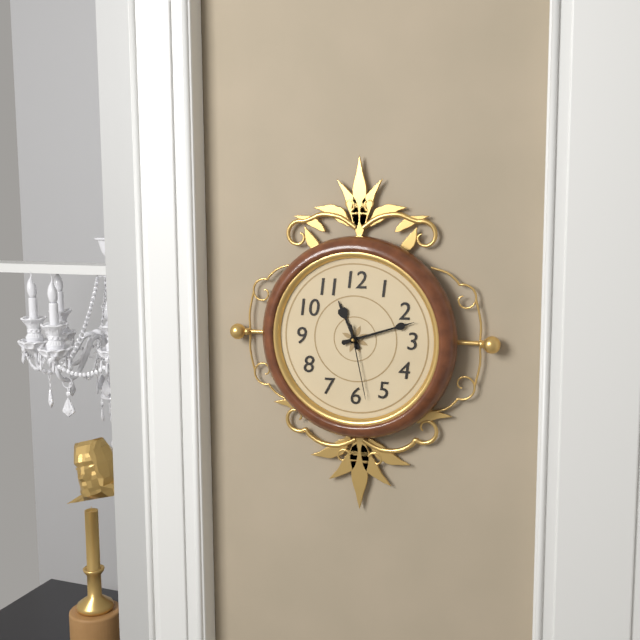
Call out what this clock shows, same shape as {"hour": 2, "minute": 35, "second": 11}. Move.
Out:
{"hour": 11, "minute": 12, "second": 28}
